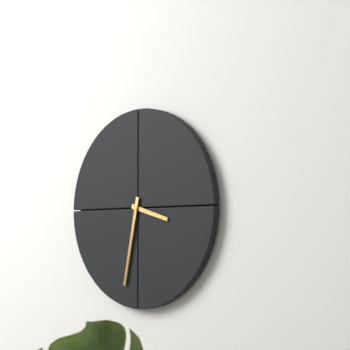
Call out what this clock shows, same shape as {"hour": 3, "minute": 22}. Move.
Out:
{"hour": 3, "minute": 32}
